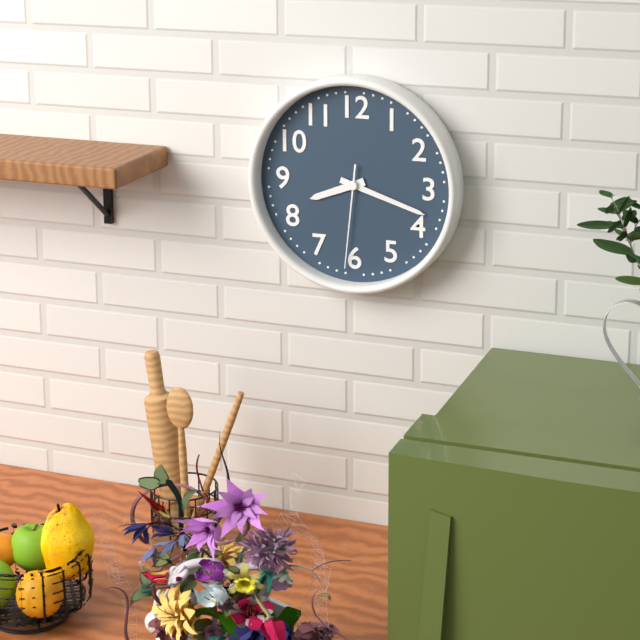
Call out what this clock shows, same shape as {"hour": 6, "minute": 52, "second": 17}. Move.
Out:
{"hour": 8, "minute": 18, "second": 31}
